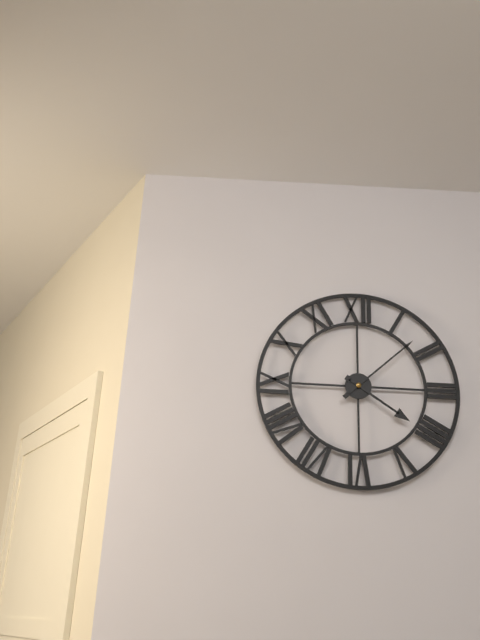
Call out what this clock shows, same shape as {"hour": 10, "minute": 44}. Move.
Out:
{"hour": 4, "minute": 8}
